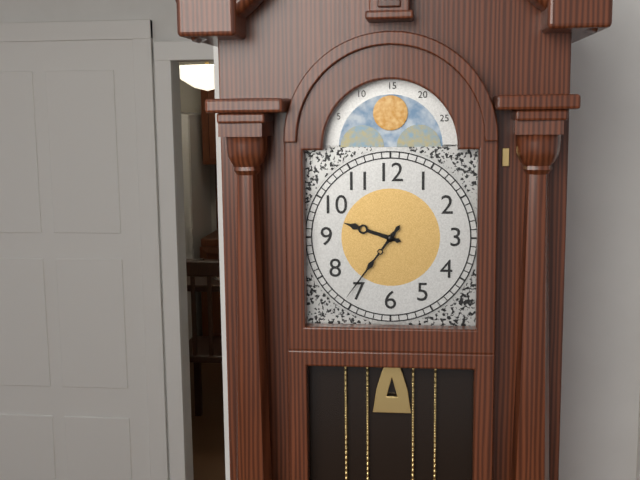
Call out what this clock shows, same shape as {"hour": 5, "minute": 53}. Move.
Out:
{"hour": 9, "minute": 36}
